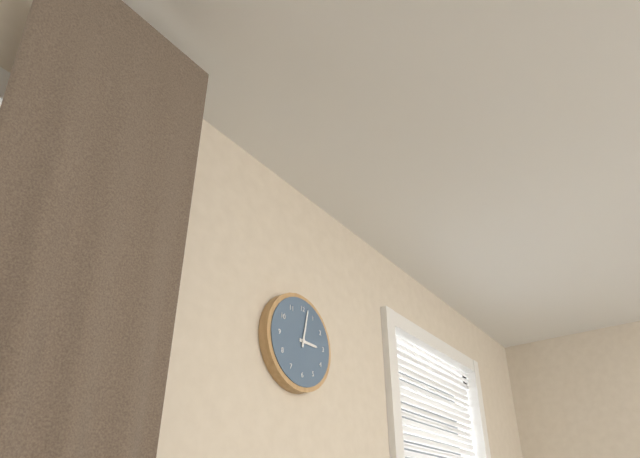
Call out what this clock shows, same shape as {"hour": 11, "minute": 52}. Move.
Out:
{"hour": 3, "minute": 2}
